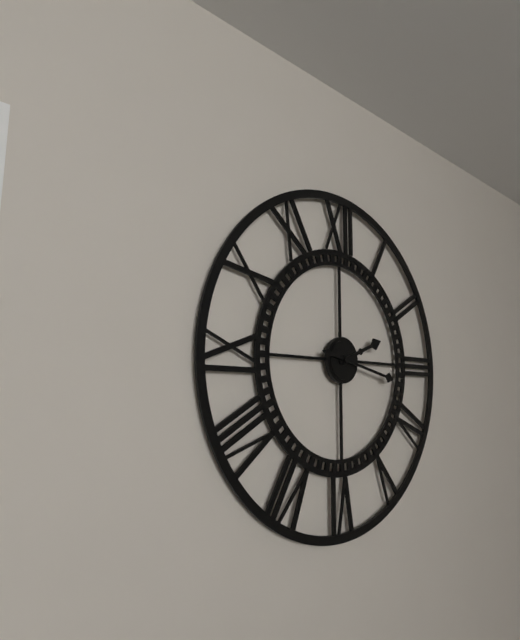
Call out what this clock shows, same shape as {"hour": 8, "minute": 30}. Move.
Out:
{"hour": 2, "minute": 17}
